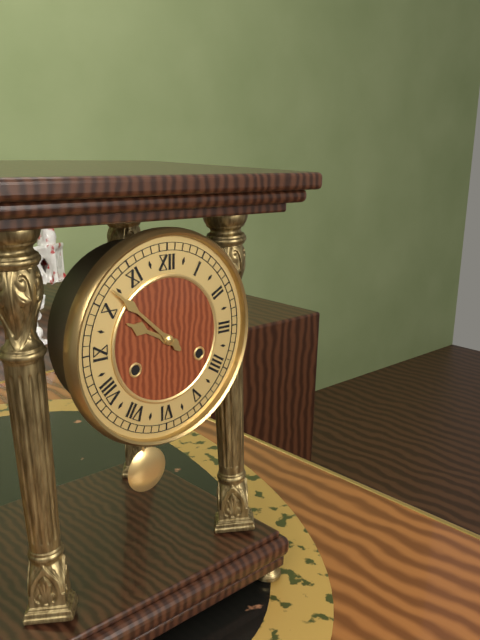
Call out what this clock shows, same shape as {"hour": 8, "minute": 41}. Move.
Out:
{"hour": 9, "minute": 52}
